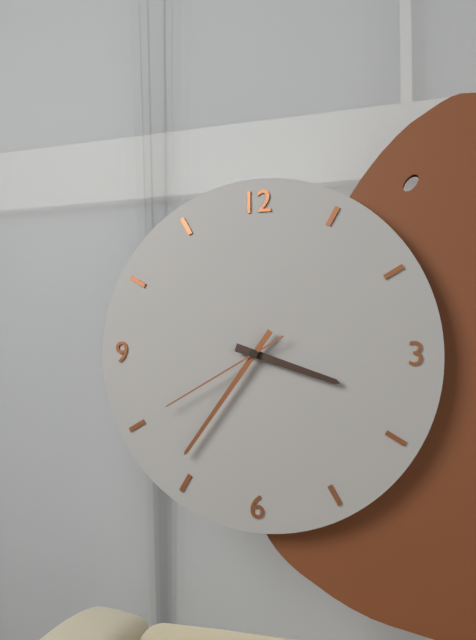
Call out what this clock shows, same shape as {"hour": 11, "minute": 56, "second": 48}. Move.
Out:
{"hour": 3, "minute": 36, "second": 40}
